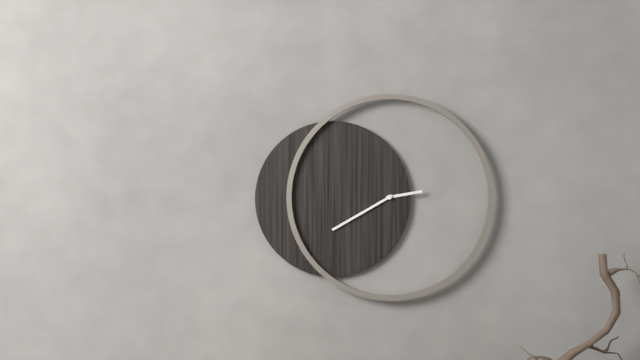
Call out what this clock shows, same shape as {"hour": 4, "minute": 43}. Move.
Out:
{"hour": 2, "minute": 40}
